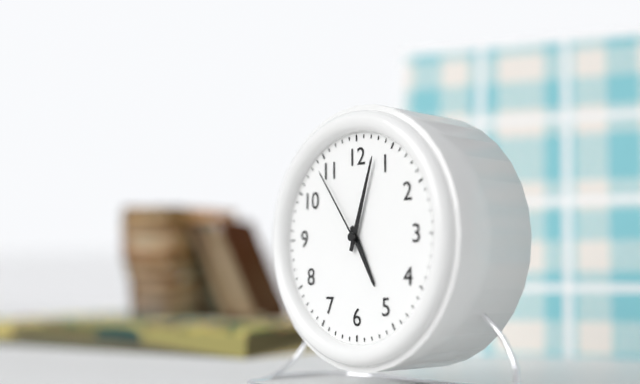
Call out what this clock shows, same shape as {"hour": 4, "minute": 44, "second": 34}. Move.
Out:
{"hour": 5, "minute": 3, "second": 54}
